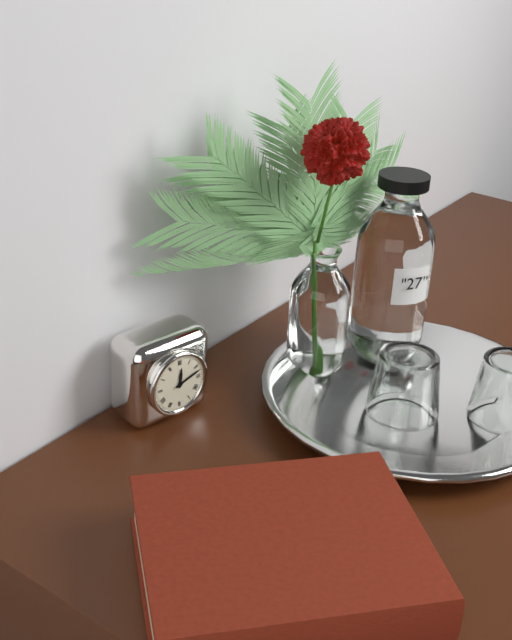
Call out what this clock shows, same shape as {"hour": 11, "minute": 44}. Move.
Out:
{"hour": 12, "minute": 12}
